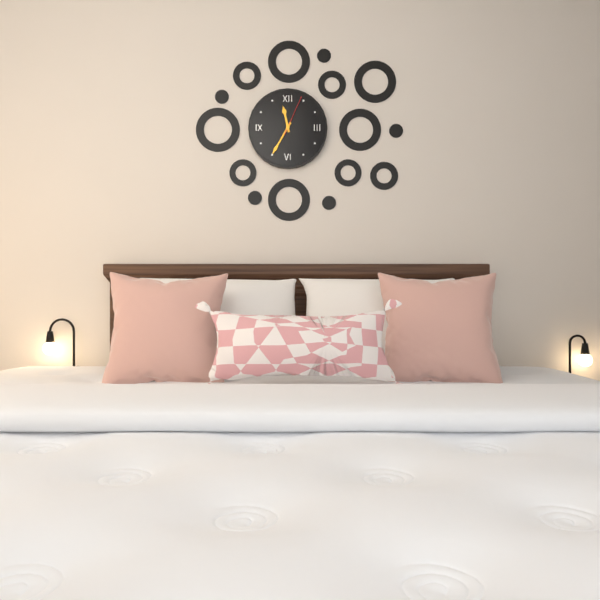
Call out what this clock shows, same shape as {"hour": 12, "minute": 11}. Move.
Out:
{"hour": 11, "minute": 35}
